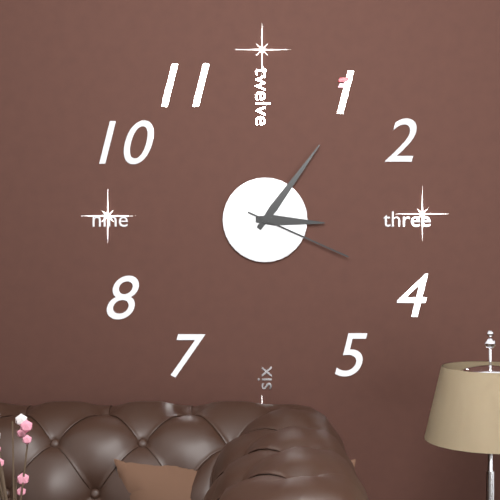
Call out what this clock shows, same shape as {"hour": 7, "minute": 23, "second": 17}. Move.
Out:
{"hour": 3, "minute": 6, "second": 19}
